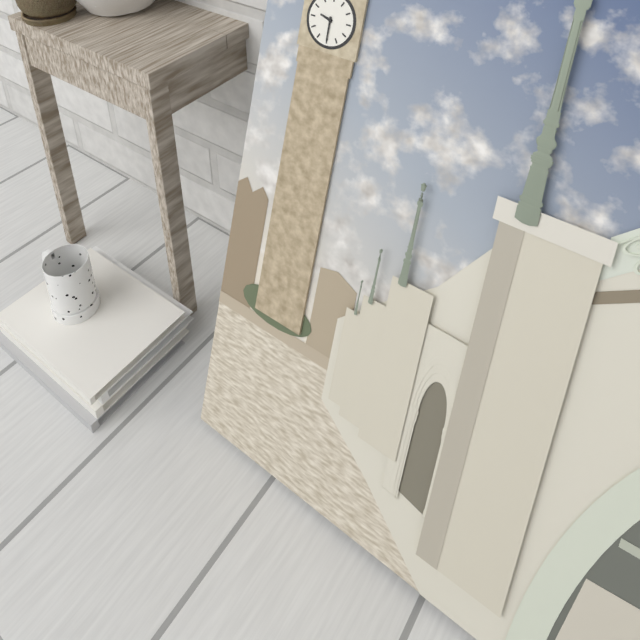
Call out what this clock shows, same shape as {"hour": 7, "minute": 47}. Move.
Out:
{"hour": 9, "minute": 30}
